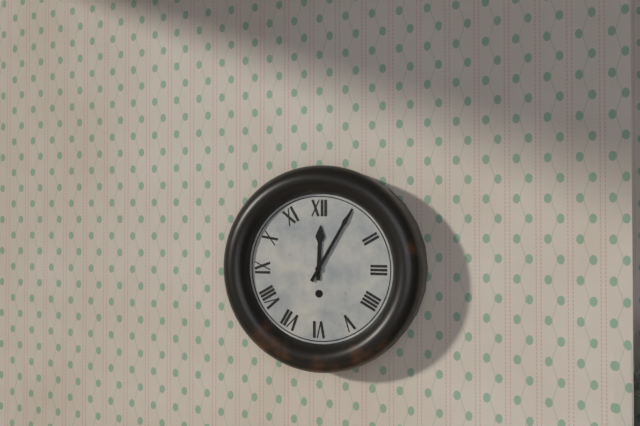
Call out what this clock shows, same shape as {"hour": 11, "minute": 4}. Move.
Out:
{"hour": 12, "minute": 5}
